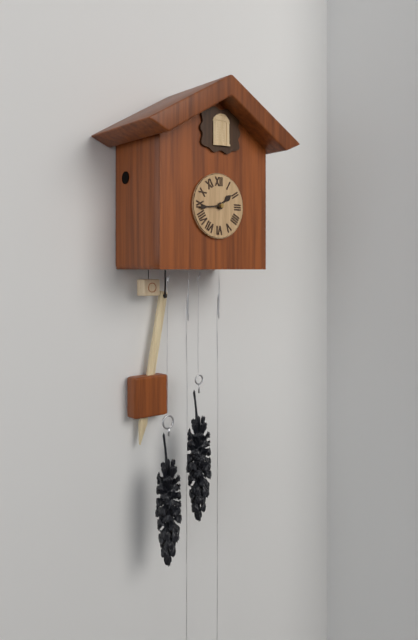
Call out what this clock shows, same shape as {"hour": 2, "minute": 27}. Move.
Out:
{"hour": 1, "minute": 44}
